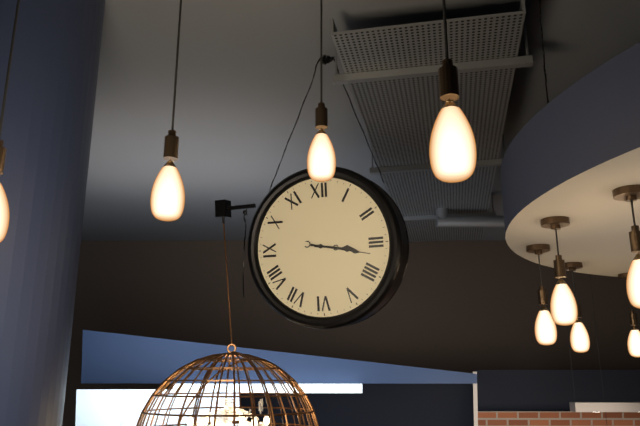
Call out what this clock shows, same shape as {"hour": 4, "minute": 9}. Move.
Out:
{"hour": 3, "minute": 17}
